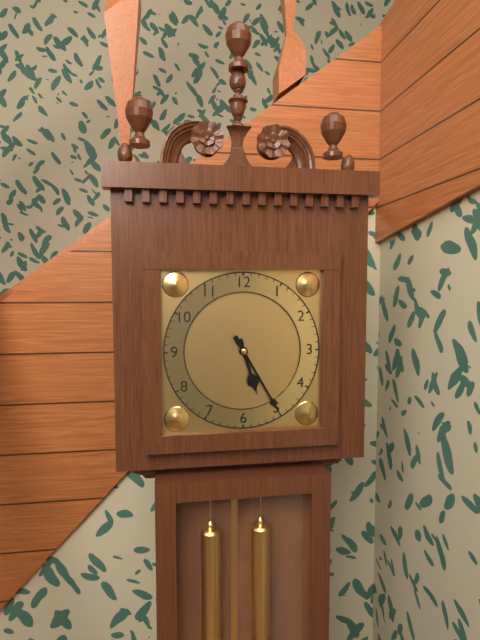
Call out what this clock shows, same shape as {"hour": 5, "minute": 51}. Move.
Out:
{"hour": 5, "minute": 25}
